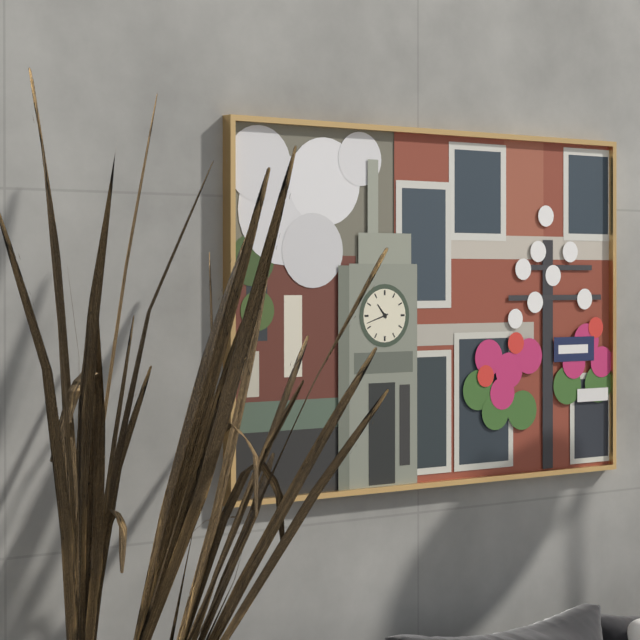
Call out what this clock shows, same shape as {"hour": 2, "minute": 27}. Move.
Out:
{"hour": 10, "minute": 42}
